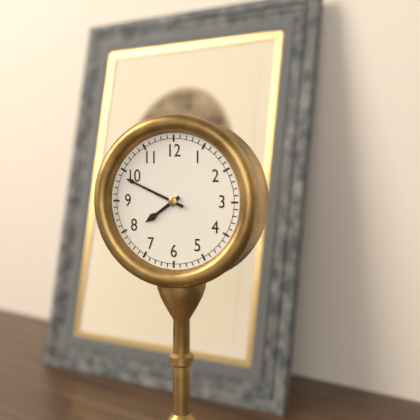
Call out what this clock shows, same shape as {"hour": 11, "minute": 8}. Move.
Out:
{"hour": 7, "minute": 49}
